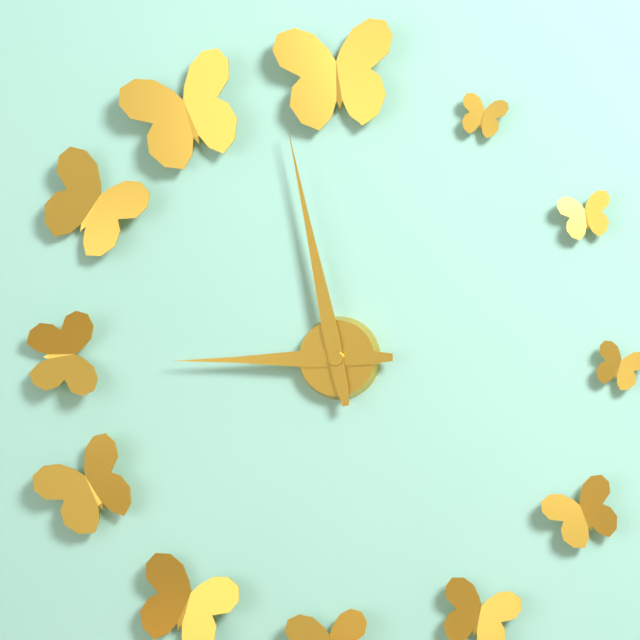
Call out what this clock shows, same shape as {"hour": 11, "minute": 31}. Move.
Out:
{"hour": 8, "minute": 58}
